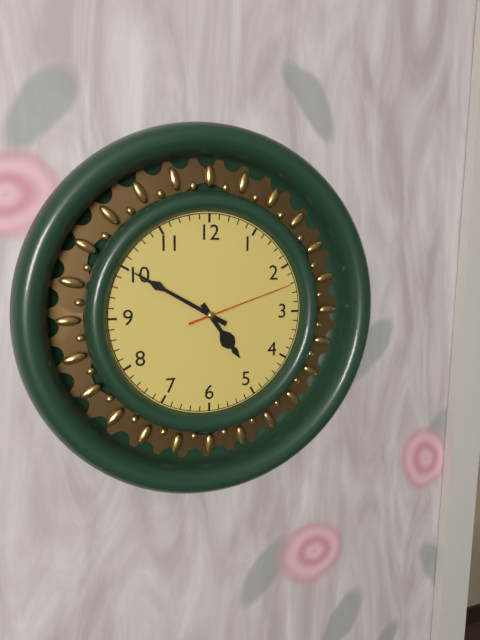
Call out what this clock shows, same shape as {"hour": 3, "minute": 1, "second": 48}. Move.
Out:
{"hour": 4, "minute": 50, "second": 12}
